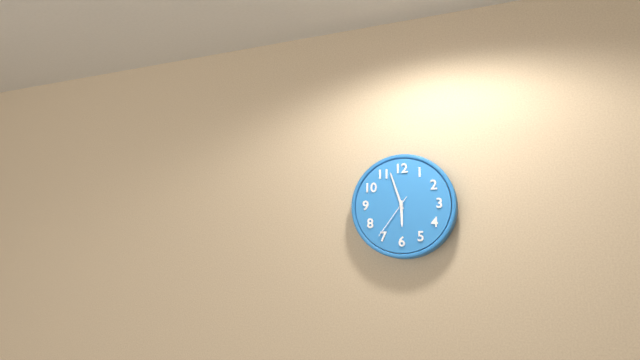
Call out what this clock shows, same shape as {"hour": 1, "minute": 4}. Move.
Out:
{"hour": 5, "minute": 57}
